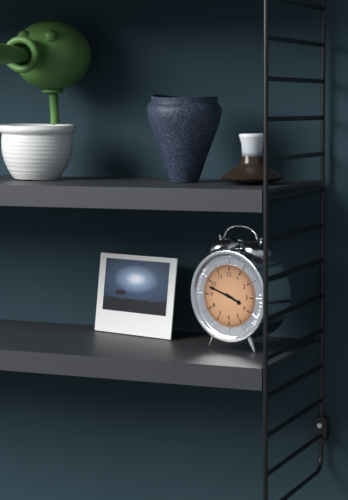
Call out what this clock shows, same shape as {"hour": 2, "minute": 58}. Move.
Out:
{"hour": 3, "minute": 48}
